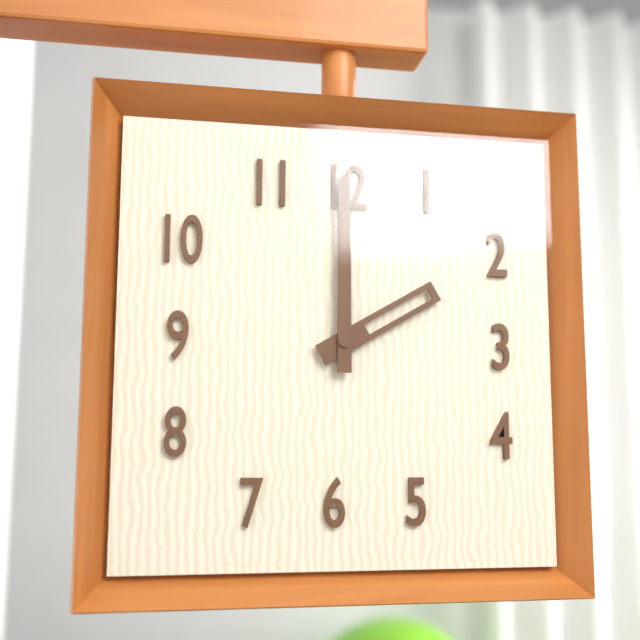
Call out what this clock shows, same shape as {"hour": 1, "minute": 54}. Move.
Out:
{"hour": 2, "minute": 0}
